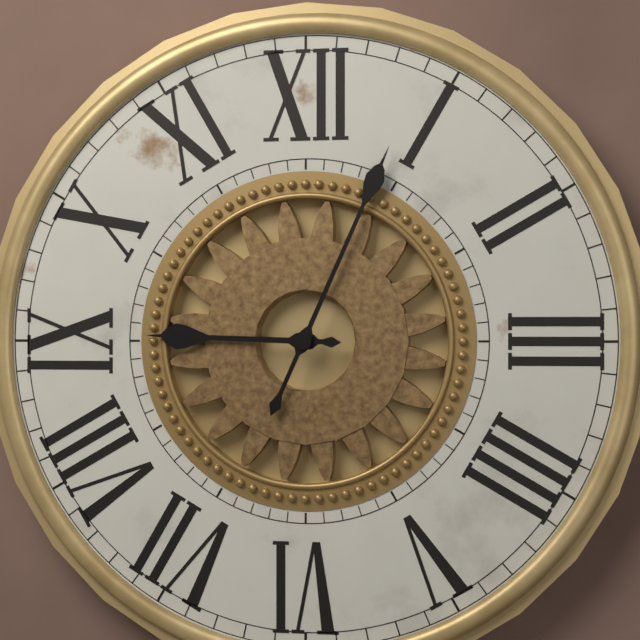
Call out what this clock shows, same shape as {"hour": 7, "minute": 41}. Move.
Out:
{"hour": 9, "minute": 4}
